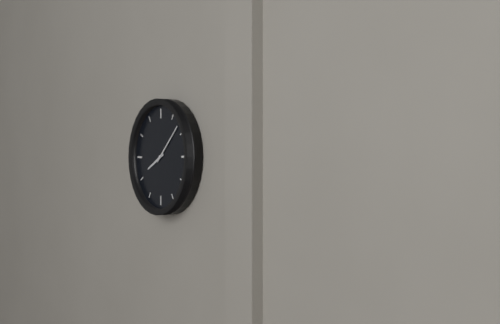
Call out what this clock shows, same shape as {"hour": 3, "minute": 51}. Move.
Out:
{"hour": 8, "minute": 8}
